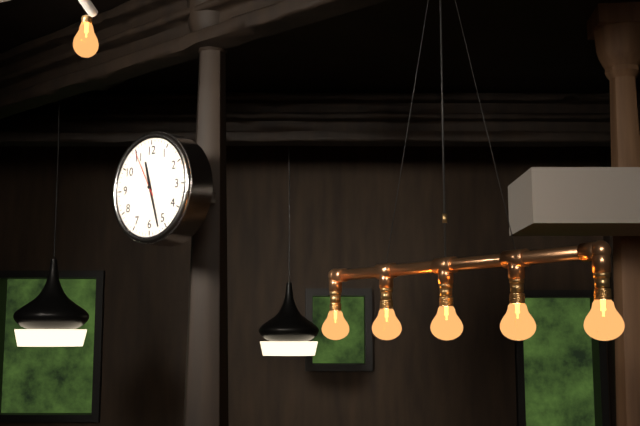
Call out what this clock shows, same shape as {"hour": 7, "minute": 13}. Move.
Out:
{"hour": 11, "minute": 27}
